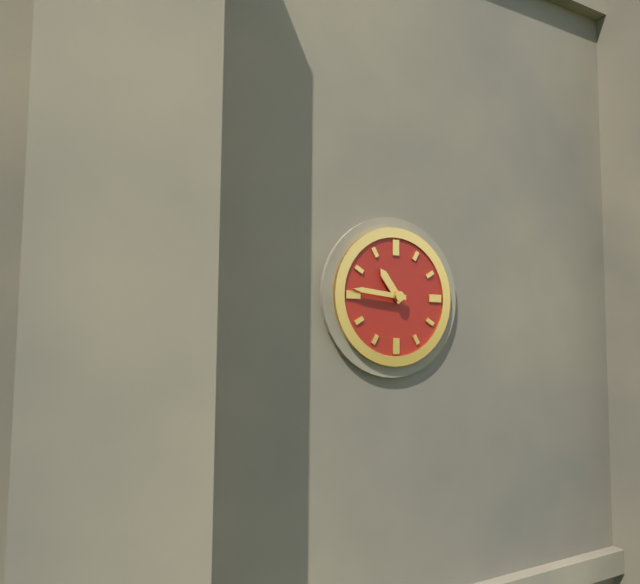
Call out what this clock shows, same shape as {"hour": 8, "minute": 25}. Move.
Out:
{"hour": 10, "minute": 46}
